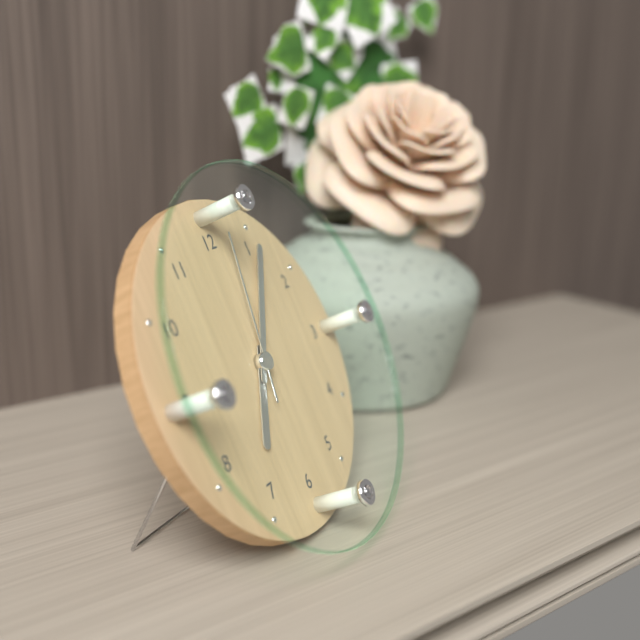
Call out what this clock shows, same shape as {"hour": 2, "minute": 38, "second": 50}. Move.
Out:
{"hour": 7, "minute": 6, "second": 2}
